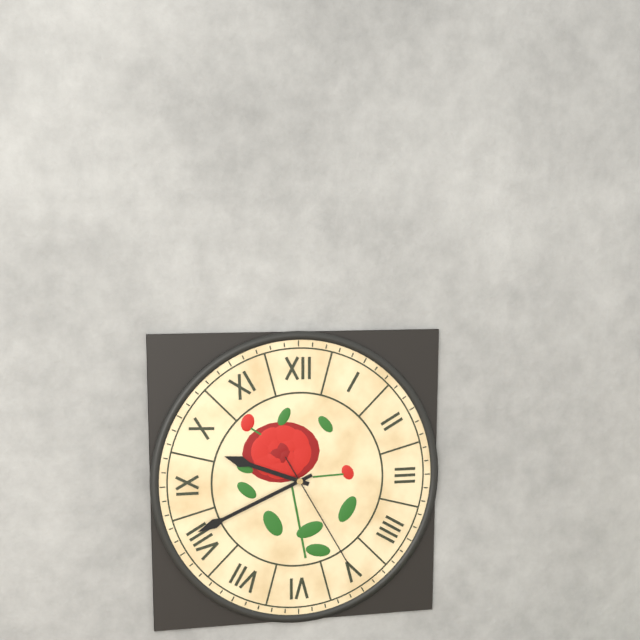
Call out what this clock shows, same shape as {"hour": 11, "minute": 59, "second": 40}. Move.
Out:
{"hour": 9, "minute": 41, "second": 25}
